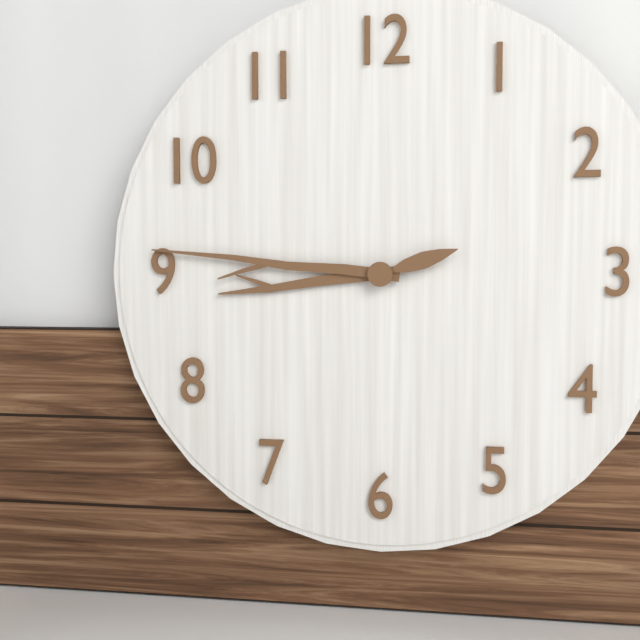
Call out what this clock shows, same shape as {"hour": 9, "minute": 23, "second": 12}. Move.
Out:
{"hour": 8, "minute": 46, "second": 12}
